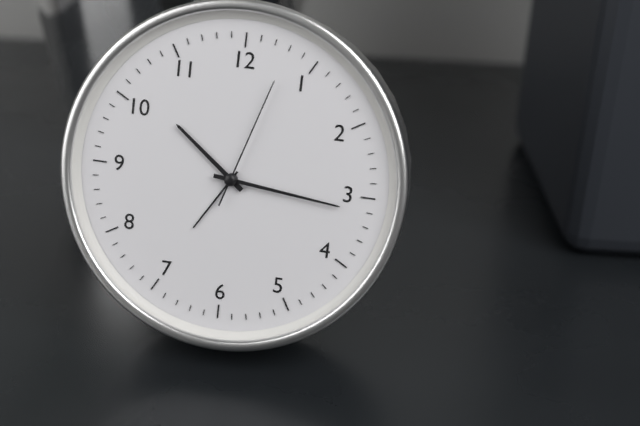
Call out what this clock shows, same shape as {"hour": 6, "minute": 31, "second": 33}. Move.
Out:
{"hour": 10, "minute": 16, "second": 3}
